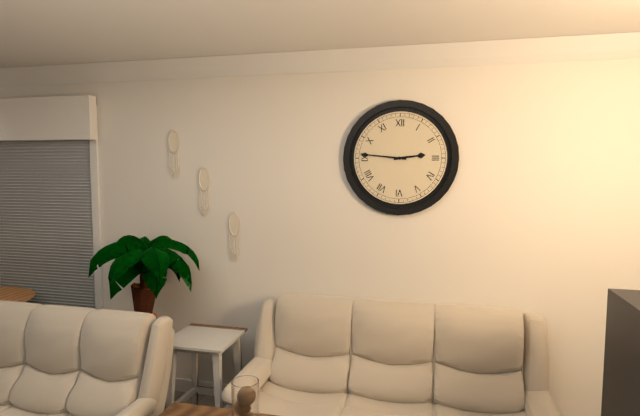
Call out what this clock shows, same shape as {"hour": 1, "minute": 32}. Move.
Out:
{"hour": 2, "minute": 46}
